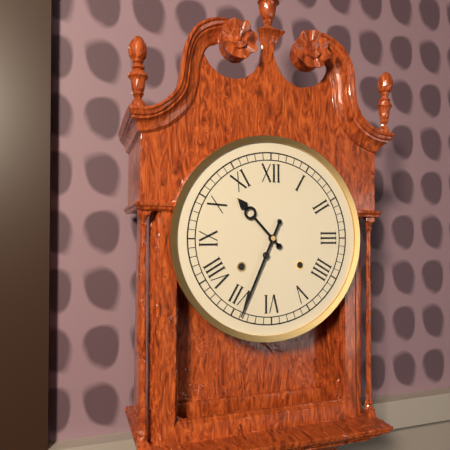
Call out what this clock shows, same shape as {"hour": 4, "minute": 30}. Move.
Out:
{"hour": 10, "minute": 34}
